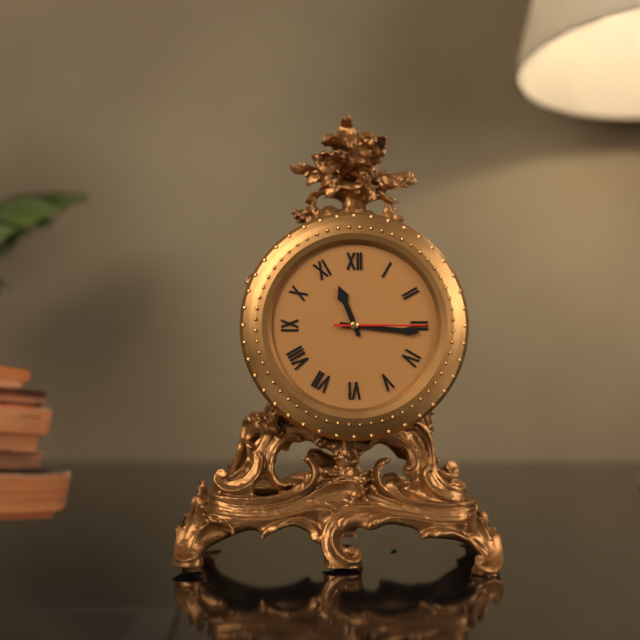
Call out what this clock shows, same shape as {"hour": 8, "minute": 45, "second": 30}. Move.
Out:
{"hour": 11, "minute": 16, "second": 15}
